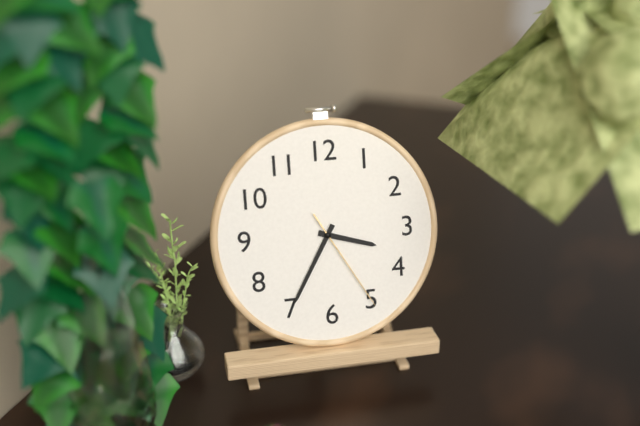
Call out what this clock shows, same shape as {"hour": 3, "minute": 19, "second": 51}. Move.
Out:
{"hour": 3, "minute": 35, "second": 25}
